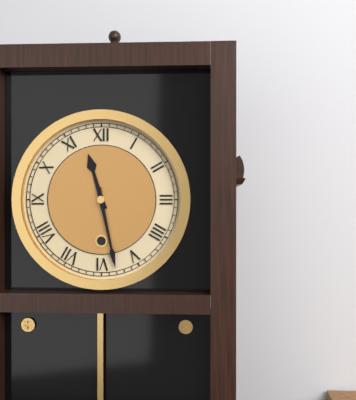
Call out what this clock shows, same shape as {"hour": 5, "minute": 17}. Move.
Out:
{"hour": 11, "minute": 28}
